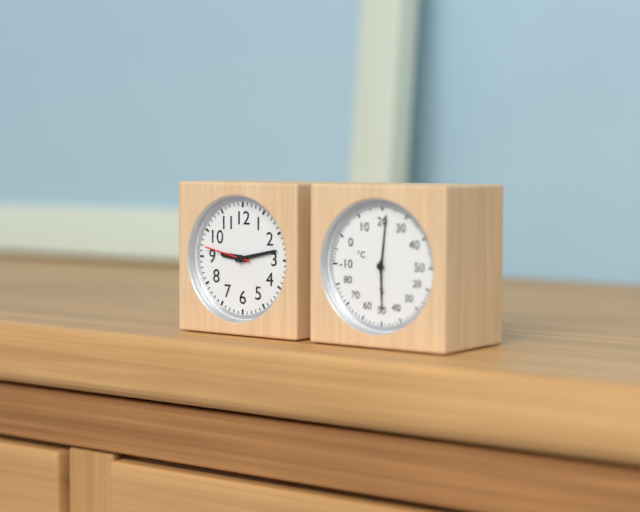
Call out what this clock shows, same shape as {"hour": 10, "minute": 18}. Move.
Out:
{"hour": 9, "minute": 13}
